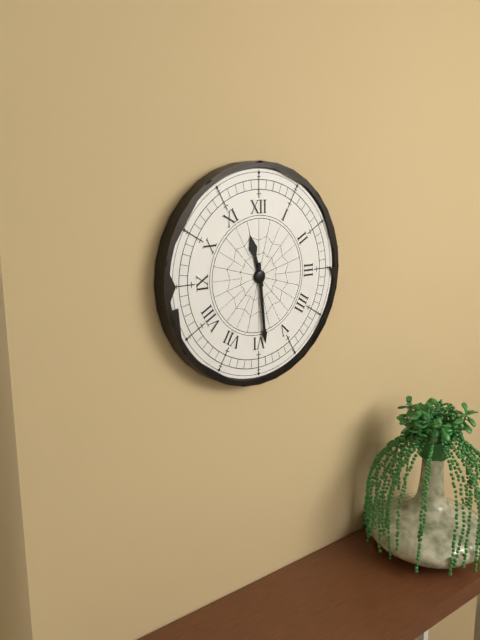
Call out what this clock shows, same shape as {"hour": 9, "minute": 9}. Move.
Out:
{"hour": 11, "minute": 29}
